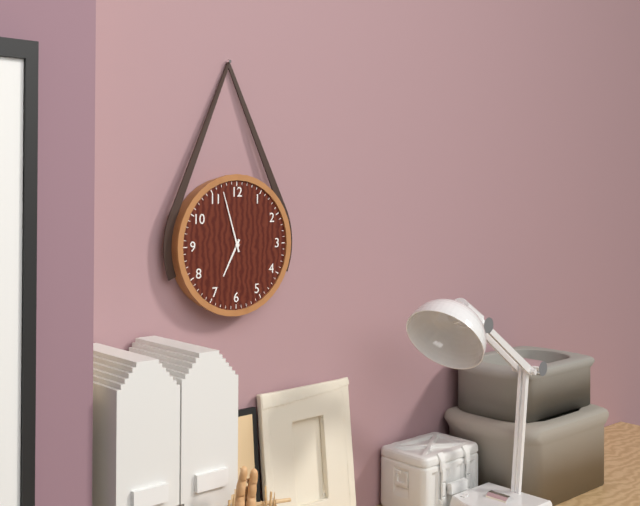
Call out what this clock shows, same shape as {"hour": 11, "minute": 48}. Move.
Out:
{"hour": 6, "minute": 57}
